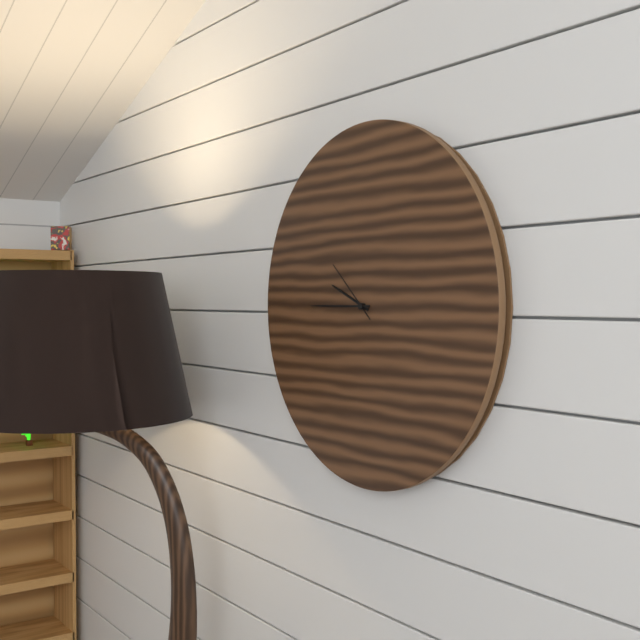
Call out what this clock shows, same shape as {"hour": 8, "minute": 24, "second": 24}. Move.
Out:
{"hour": 9, "minute": 45, "second": 52}
